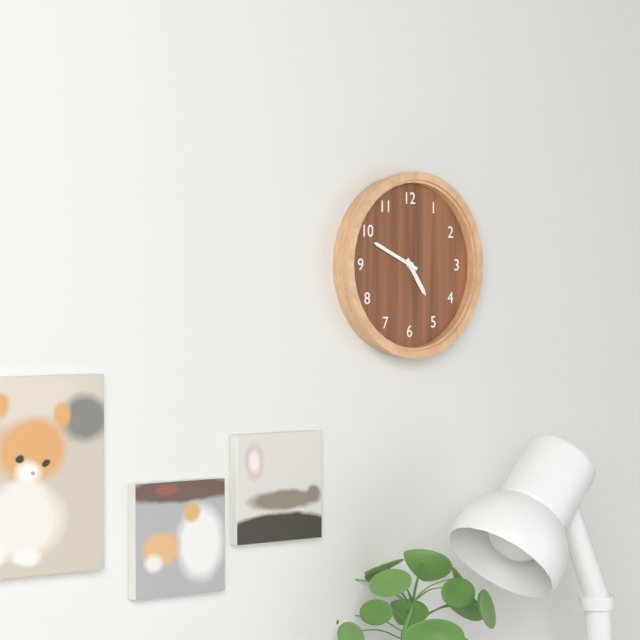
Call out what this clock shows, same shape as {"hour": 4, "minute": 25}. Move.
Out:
{"hour": 4, "minute": 49}
